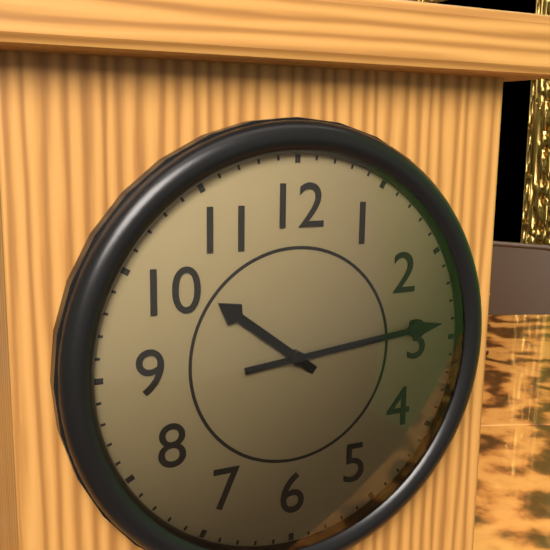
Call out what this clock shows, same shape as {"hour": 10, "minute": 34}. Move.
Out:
{"hour": 10, "minute": 14}
